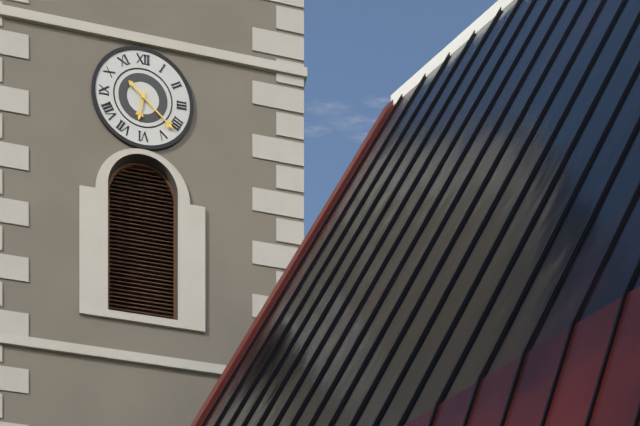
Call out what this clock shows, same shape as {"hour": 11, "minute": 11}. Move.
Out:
{"hour": 6, "minute": 22}
